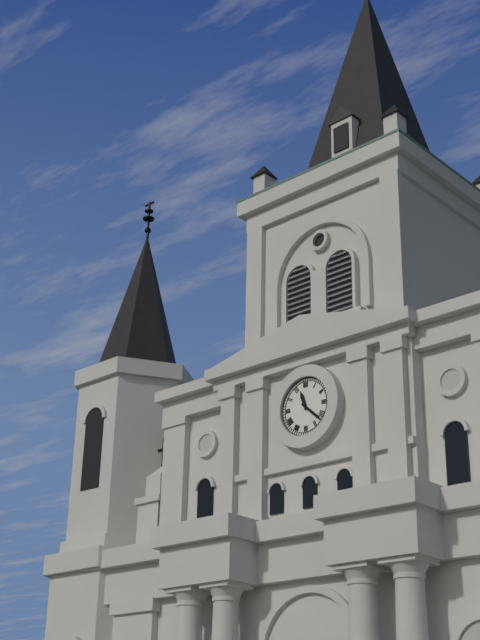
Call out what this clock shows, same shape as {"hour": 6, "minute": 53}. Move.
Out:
{"hour": 11, "minute": 22}
